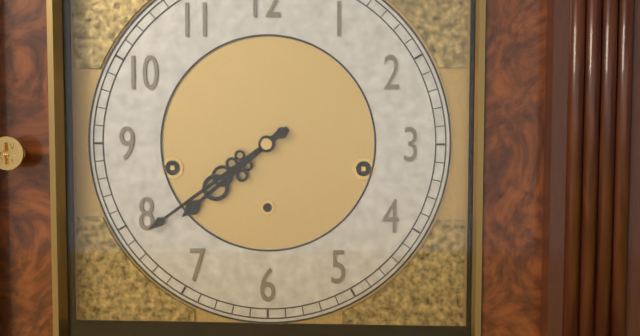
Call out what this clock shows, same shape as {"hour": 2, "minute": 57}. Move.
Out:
{"hour": 7, "minute": 39}
